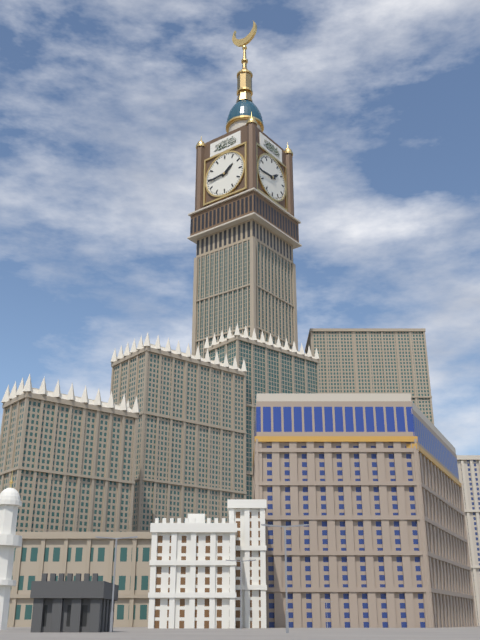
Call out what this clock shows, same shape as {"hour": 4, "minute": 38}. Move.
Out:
{"hour": 1, "minute": 44}
